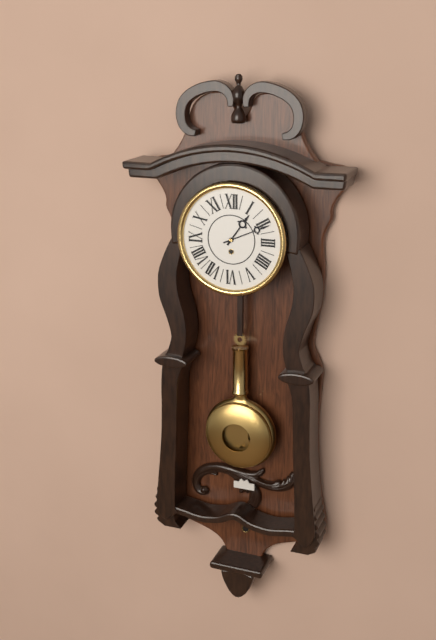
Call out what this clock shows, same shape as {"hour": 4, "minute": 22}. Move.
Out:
{"hour": 1, "minute": 11}
